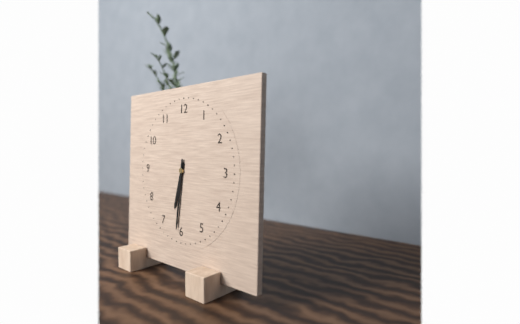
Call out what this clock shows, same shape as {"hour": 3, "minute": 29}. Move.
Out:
{"hour": 6, "minute": 31}
